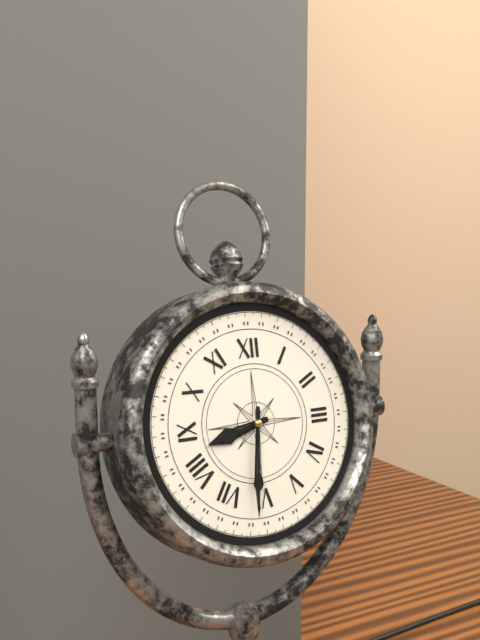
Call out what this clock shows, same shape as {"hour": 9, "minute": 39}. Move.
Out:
{"hour": 8, "minute": 31}
